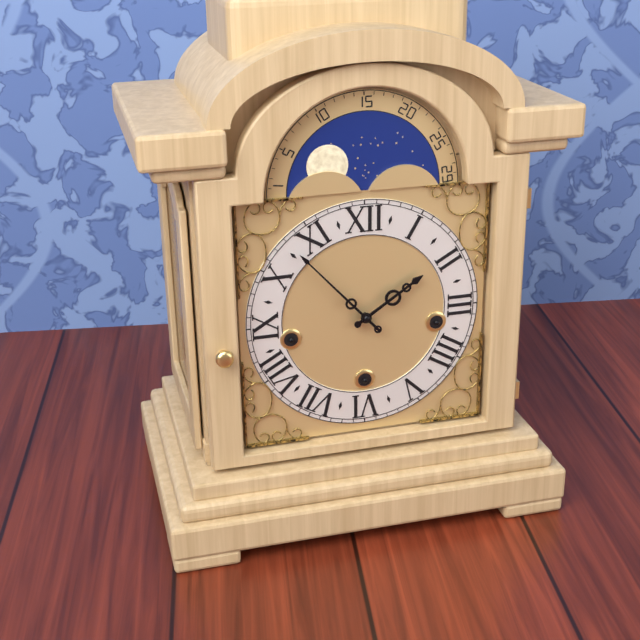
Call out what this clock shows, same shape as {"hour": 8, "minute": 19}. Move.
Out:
{"hour": 1, "minute": 53}
